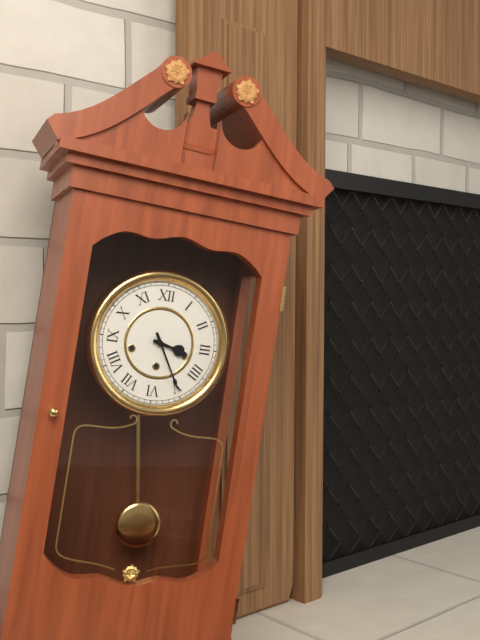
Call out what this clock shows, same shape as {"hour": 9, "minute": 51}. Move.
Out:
{"hour": 3, "minute": 25}
